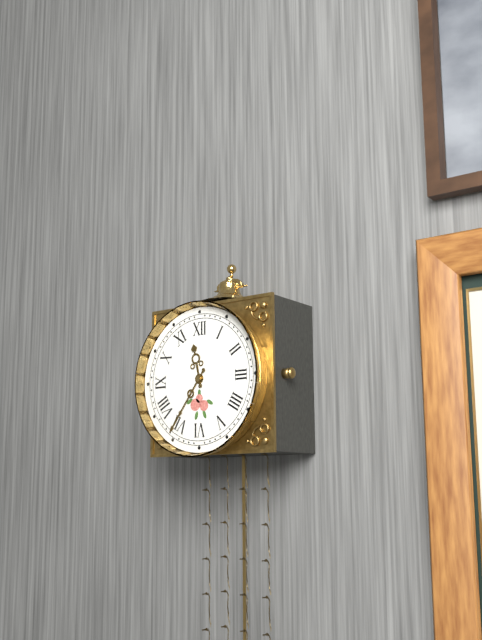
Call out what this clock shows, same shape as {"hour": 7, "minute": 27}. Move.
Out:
{"hour": 11, "minute": 36}
